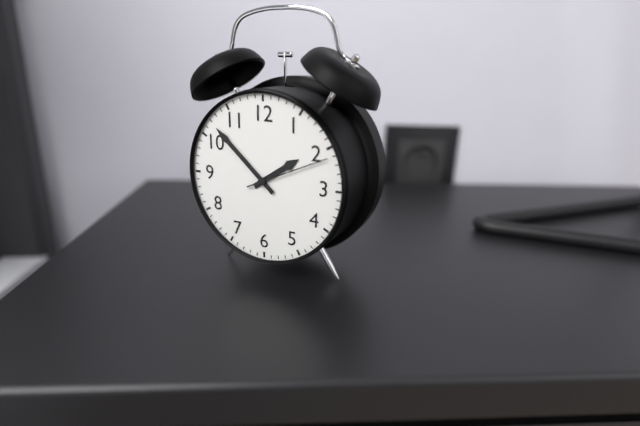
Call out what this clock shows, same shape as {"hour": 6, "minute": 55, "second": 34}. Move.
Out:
{"hour": 1, "minute": 52, "second": 11}
